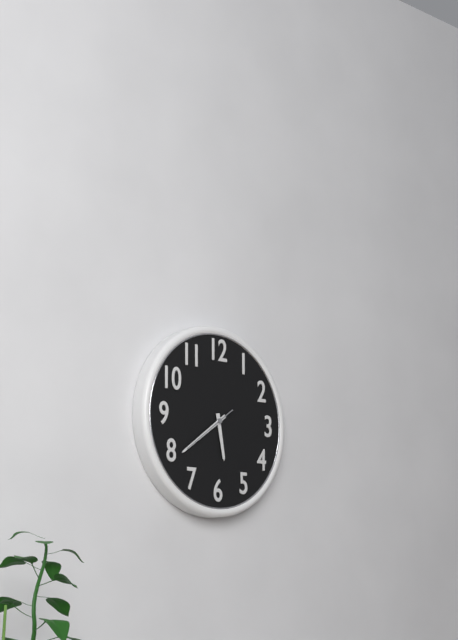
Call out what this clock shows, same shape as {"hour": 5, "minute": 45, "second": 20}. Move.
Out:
{"hour": 5, "minute": 39, "second": 39}
